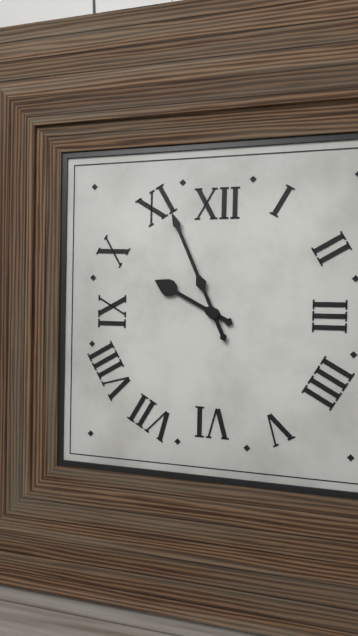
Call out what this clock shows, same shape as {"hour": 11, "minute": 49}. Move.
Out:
{"hour": 9, "minute": 56}
